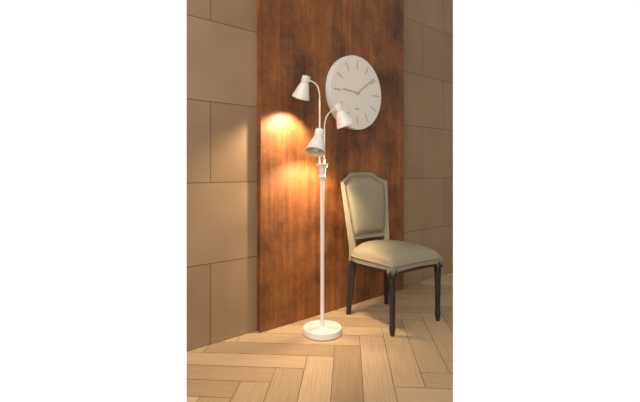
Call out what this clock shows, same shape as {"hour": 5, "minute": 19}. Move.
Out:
{"hour": 9, "minute": 9}
